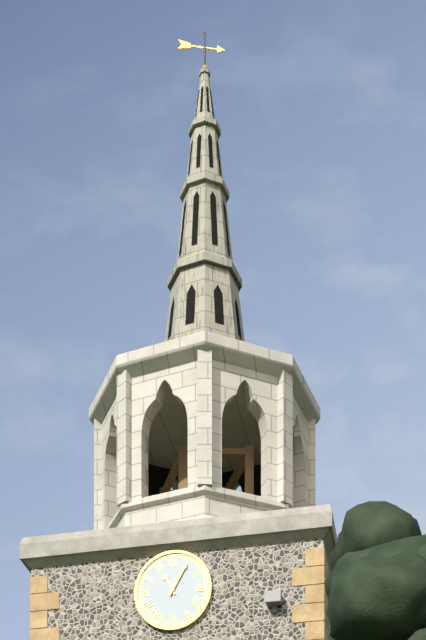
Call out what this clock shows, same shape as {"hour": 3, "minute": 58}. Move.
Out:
{"hour": 11, "minute": 5}
